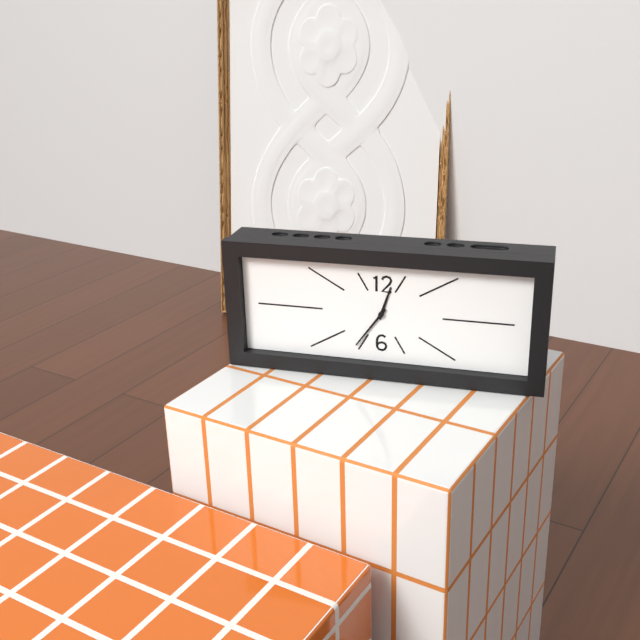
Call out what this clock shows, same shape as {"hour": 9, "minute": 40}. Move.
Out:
{"hour": 12, "minute": 36}
